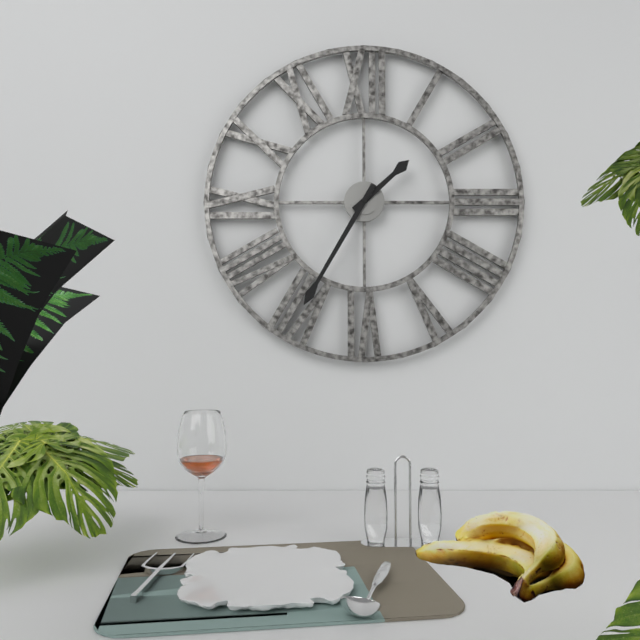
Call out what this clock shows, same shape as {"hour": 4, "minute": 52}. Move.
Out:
{"hour": 1, "minute": 35}
